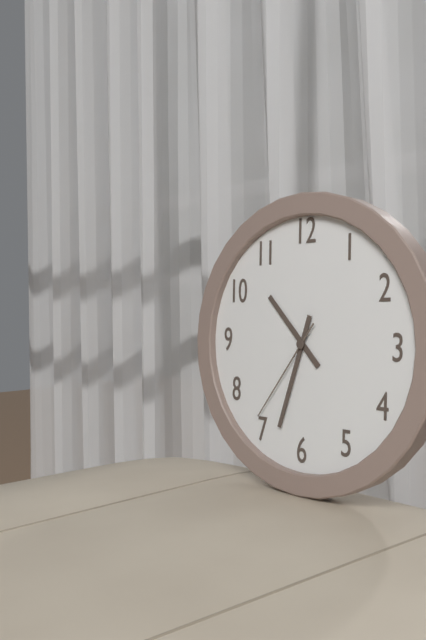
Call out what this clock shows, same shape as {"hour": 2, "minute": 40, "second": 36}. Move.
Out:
{"hour": 10, "minute": 33, "second": 36}
